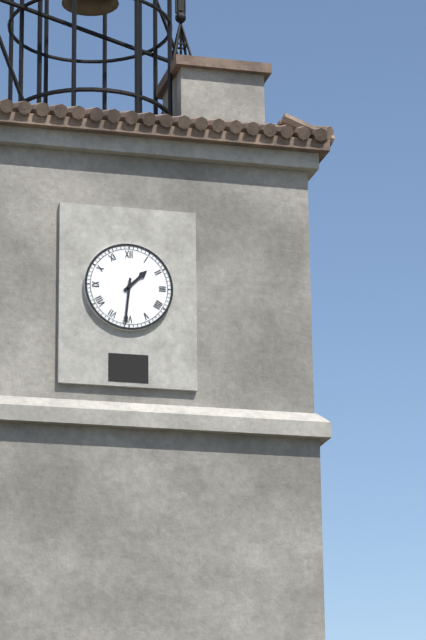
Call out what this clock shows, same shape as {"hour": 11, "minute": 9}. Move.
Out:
{"hour": 1, "minute": 31}
